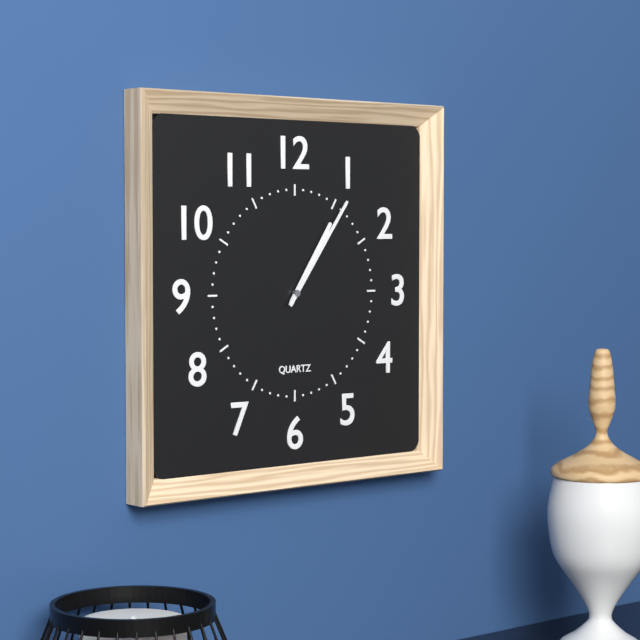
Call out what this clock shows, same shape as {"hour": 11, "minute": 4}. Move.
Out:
{"hour": 1, "minute": 6}
